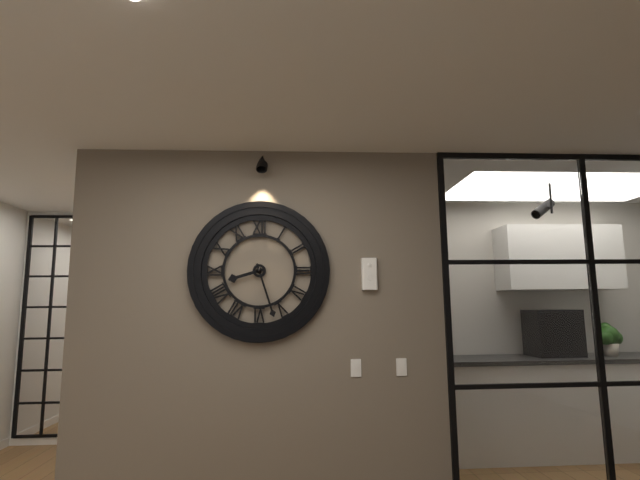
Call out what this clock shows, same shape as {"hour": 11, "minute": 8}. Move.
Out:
{"hour": 8, "minute": 27}
